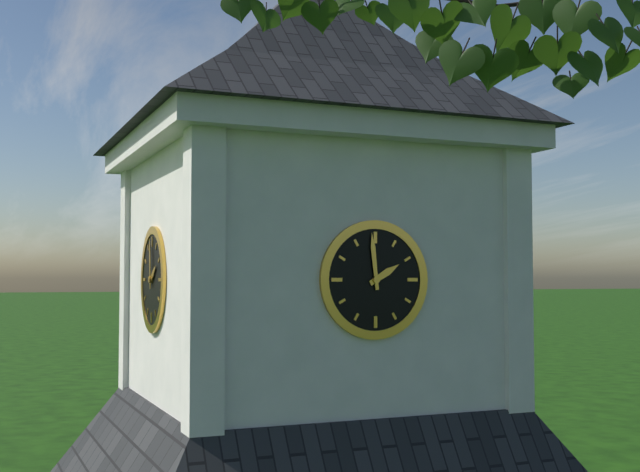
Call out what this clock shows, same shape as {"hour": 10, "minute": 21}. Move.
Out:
{"hour": 1, "minute": 59}
